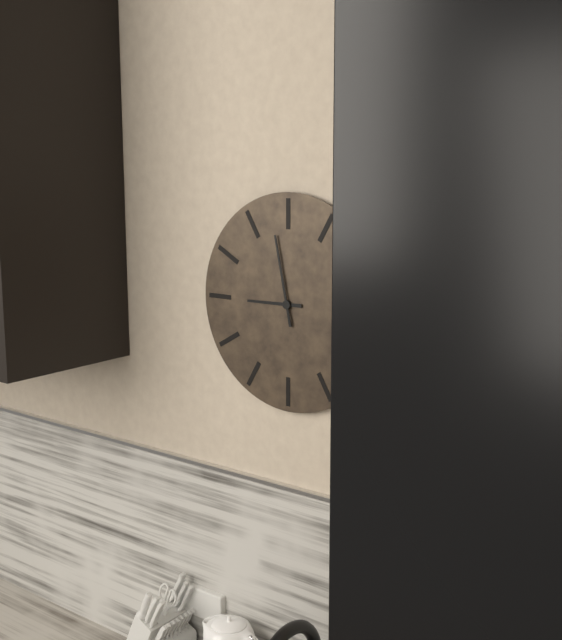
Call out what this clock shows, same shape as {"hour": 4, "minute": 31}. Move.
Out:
{"hour": 8, "minute": 58}
